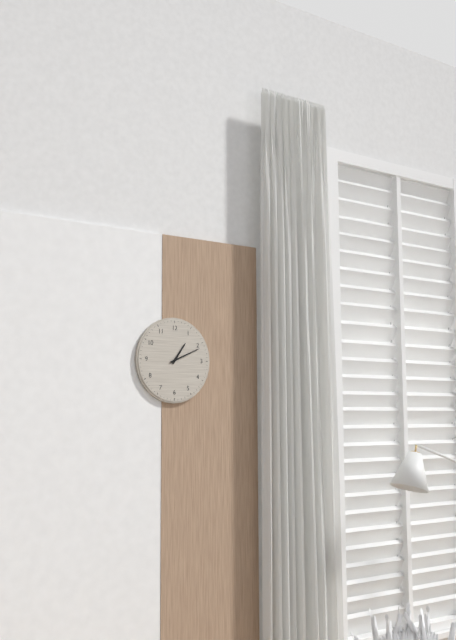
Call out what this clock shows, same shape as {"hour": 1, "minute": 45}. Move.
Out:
{"hour": 1, "minute": 11}
